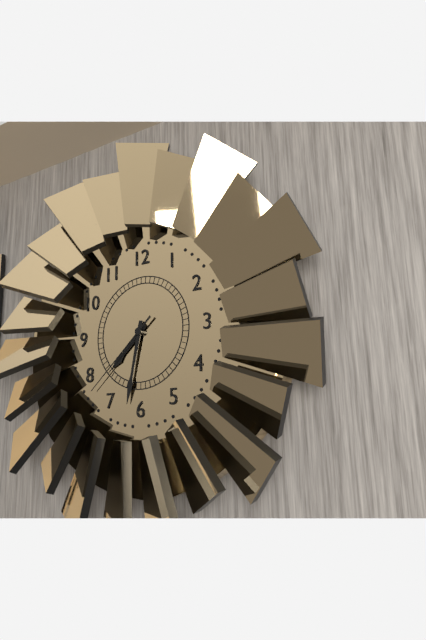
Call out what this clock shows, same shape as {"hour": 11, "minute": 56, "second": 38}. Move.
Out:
{"hour": 7, "minute": 32, "second": 38}
